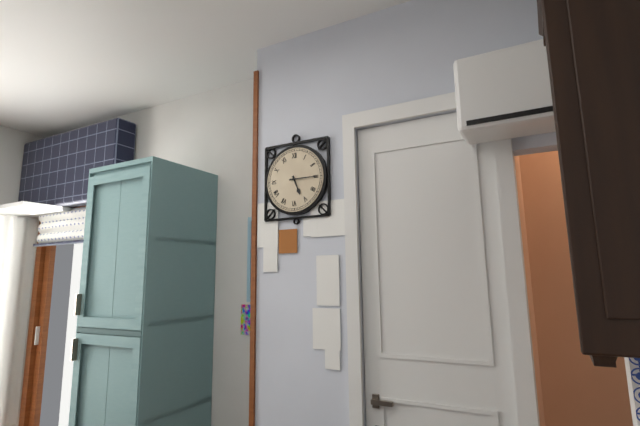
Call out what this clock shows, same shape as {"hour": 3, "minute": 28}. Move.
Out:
{"hour": 5, "minute": 15}
